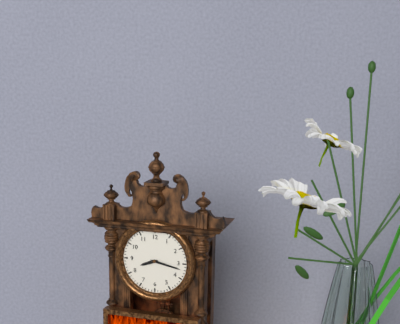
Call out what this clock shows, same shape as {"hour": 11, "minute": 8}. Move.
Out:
{"hour": 8, "minute": 17}
